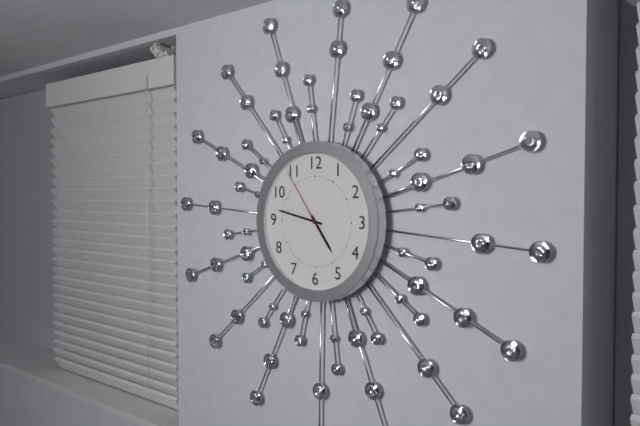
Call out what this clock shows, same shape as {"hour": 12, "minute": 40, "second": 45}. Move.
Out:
{"hour": 4, "minute": 47, "second": 54}
